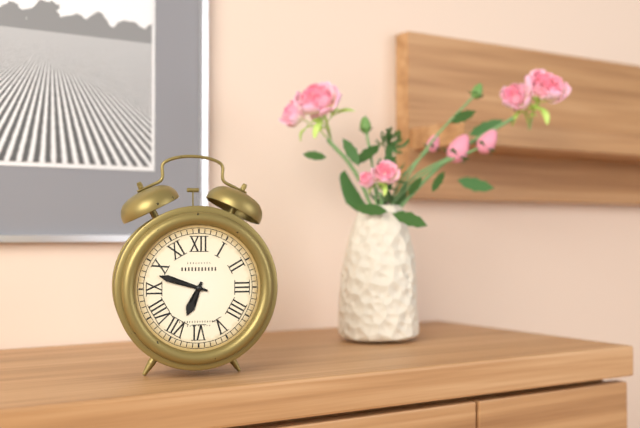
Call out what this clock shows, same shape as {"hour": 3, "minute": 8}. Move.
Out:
{"hour": 6, "minute": 48}
